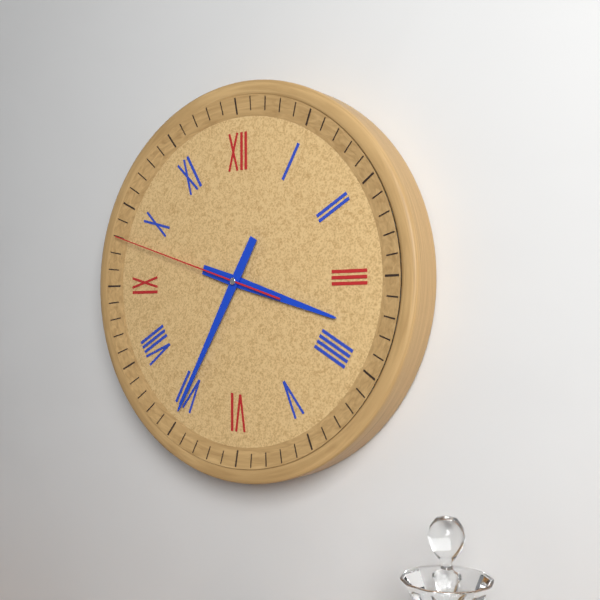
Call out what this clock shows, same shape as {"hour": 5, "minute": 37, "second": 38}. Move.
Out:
{"hour": 3, "minute": 35, "second": 48}
